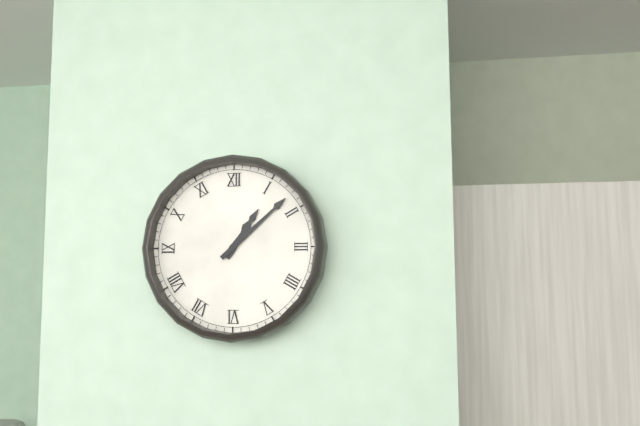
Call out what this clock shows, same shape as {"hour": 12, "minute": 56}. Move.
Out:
{"hour": 1, "minute": 8}
